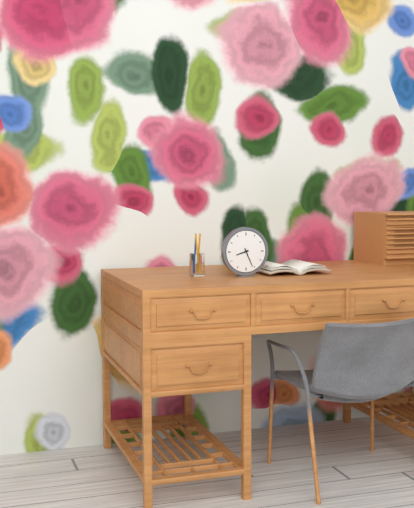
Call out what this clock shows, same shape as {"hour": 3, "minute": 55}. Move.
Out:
{"hour": 8, "minute": 26}
